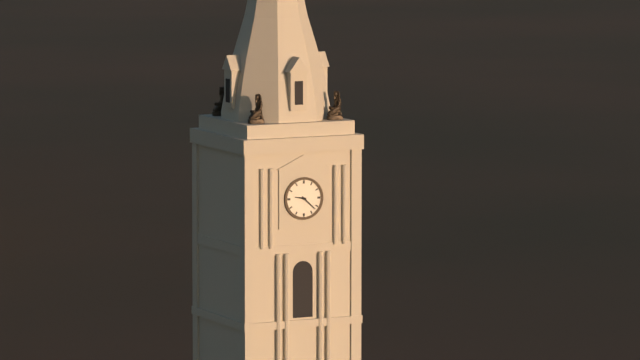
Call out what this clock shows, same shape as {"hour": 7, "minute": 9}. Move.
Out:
{"hour": 9, "minute": 22}
